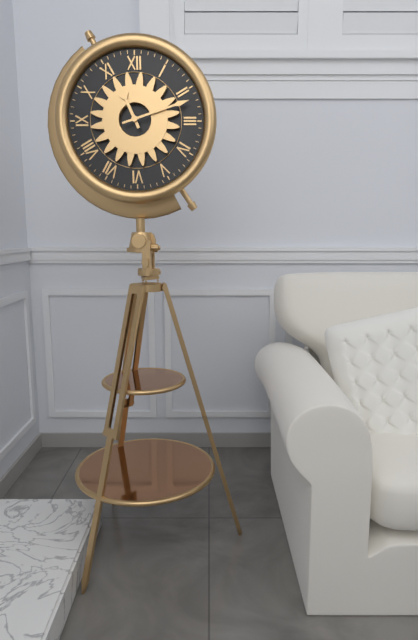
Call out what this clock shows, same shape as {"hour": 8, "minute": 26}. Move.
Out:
{"hour": 11, "minute": 12}
